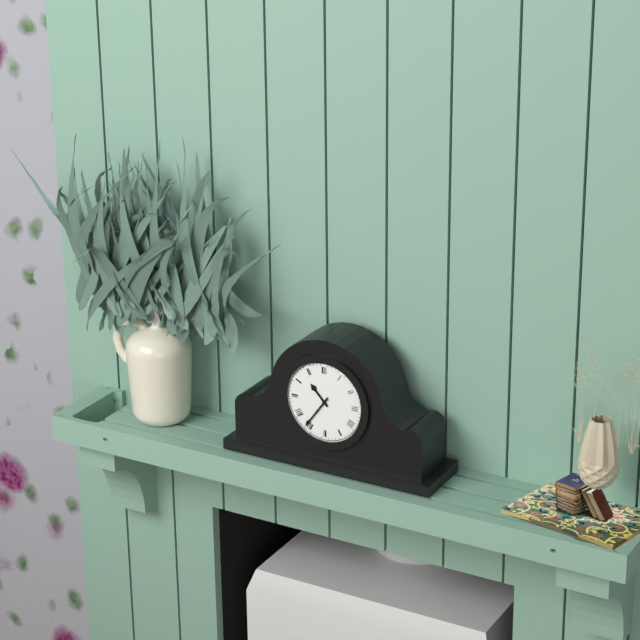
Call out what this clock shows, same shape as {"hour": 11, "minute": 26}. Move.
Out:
{"hour": 10, "minute": 36}
